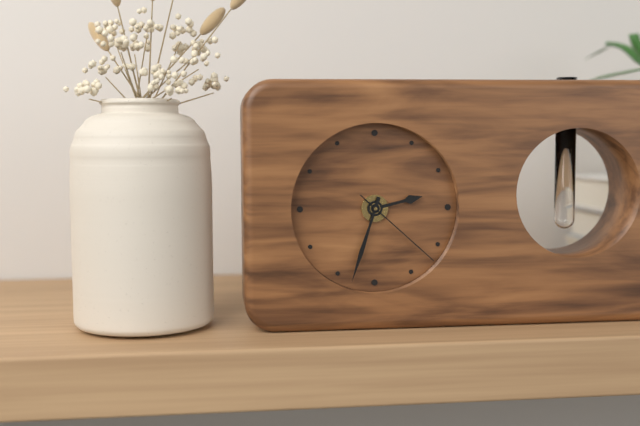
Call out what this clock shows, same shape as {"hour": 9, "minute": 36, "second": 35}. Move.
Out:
{"hour": 2, "minute": 33, "second": 22}
